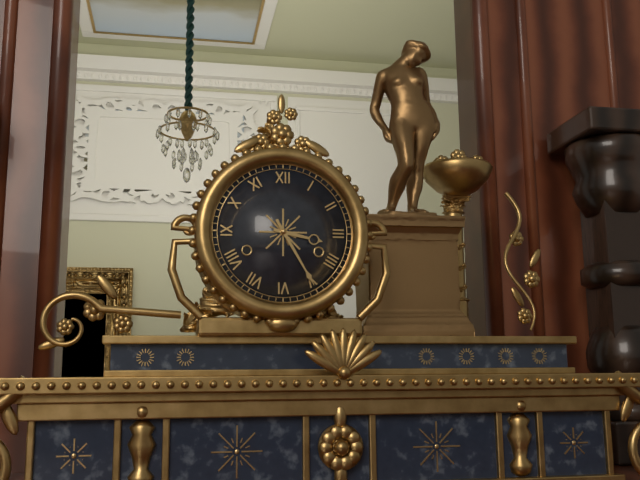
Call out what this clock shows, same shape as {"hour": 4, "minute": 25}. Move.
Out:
{"hour": 3, "minute": 25}
